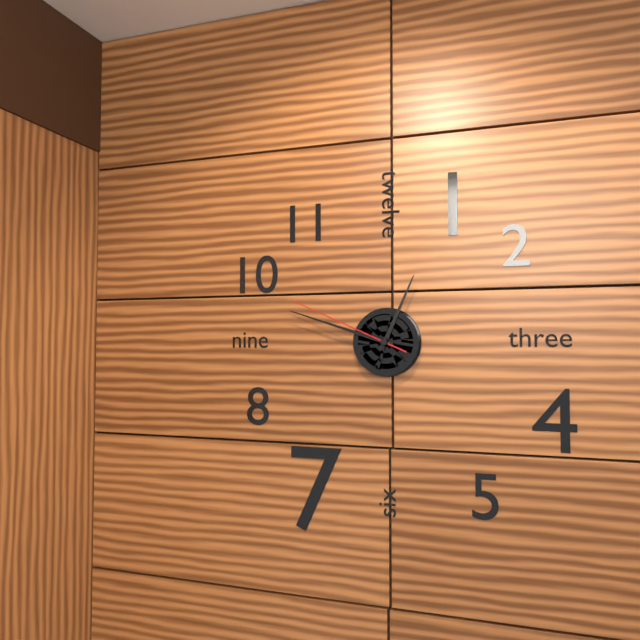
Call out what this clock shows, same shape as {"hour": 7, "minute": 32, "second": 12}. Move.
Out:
{"hour": 12, "minute": 48, "second": 49}
